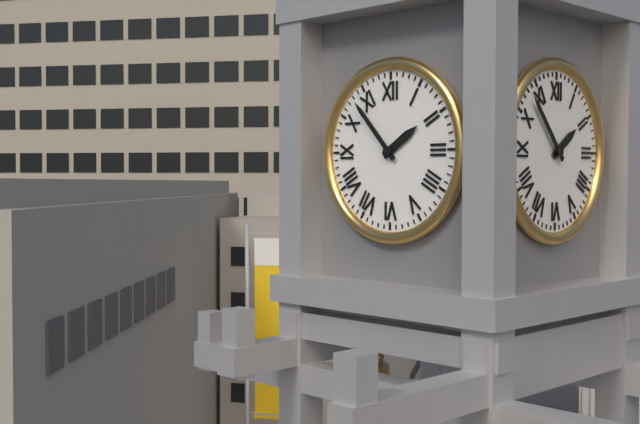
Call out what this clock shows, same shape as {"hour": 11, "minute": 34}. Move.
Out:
{"hour": 1, "minute": 53}
